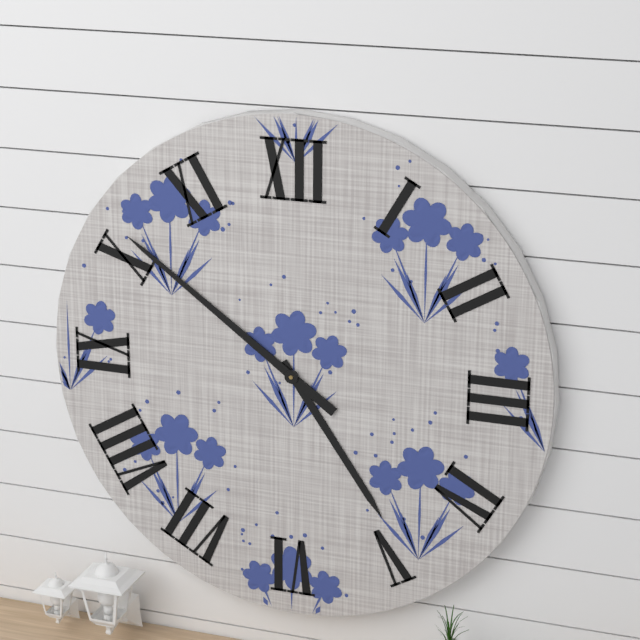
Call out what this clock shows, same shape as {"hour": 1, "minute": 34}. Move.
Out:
{"hour": 4, "minute": 51}
